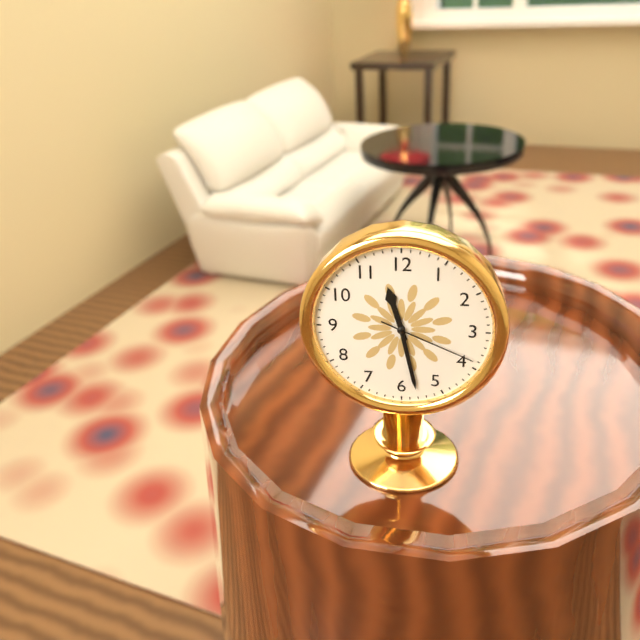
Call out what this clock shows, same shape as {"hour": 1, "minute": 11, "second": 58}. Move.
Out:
{"hour": 11, "minute": 28, "second": 19}
